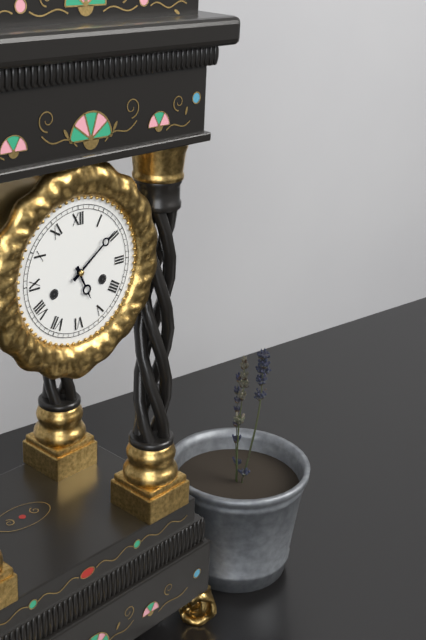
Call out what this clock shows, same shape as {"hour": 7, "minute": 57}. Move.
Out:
{"hour": 5, "minute": 9}
